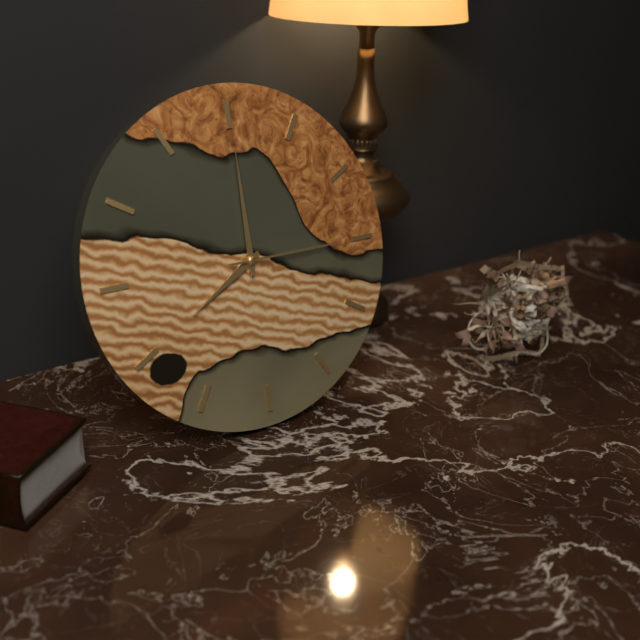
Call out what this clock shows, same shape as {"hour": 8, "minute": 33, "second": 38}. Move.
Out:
{"hour": 8, "minute": 0, "second": 15}
